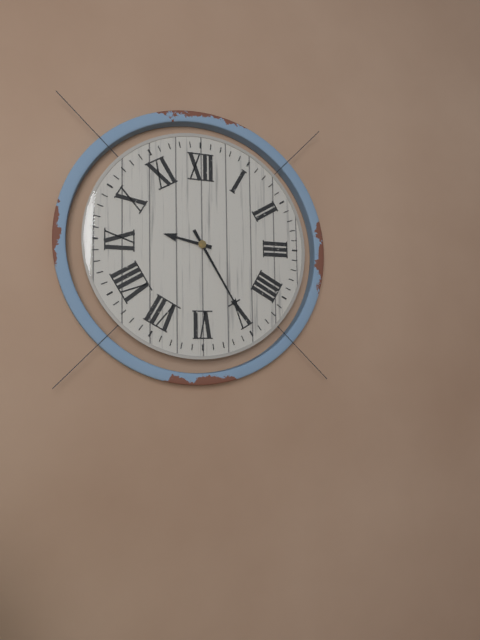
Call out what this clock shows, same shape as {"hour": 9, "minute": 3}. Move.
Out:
{"hour": 9, "minute": 25}
